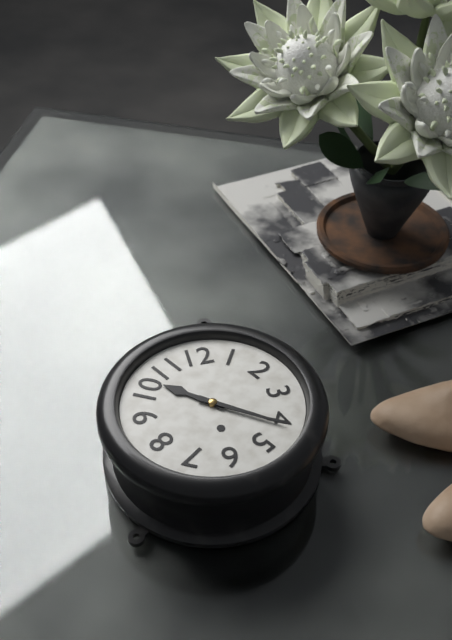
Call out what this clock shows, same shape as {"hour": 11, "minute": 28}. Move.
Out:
{"hour": 10, "minute": 21}
